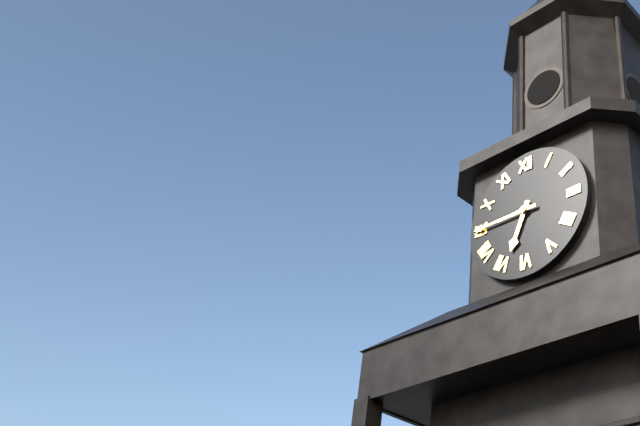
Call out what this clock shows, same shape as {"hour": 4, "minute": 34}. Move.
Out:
{"hour": 6, "minute": 45}
